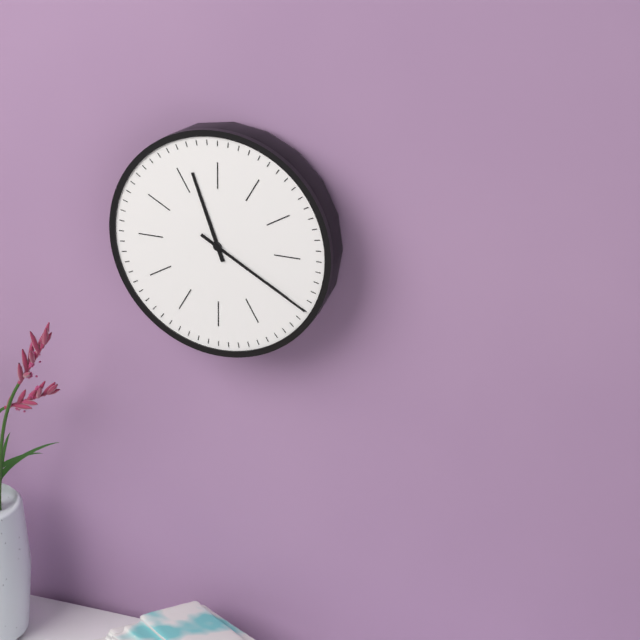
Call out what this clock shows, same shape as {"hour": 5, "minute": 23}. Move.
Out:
{"hour": 11, "minute": 20}
